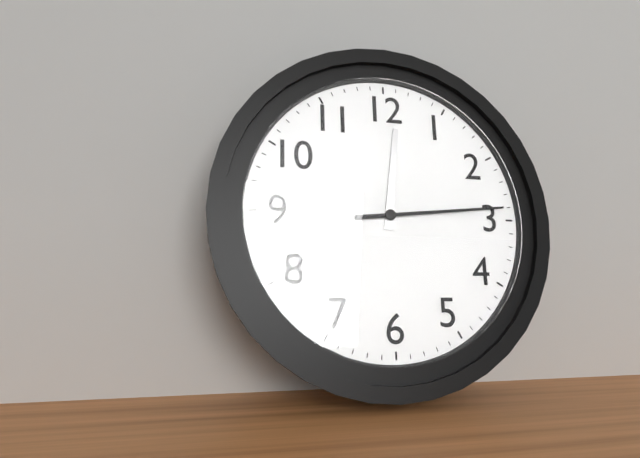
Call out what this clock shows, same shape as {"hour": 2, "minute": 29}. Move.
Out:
{"hour": 12, "minute": 14}
